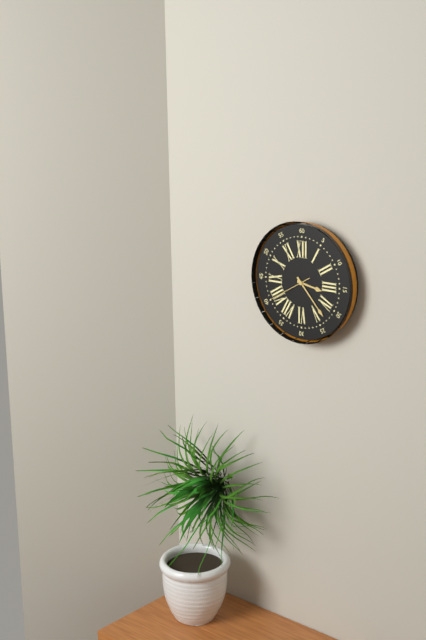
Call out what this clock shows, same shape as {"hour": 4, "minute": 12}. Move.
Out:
{"hour": 3, "minute": 23}
